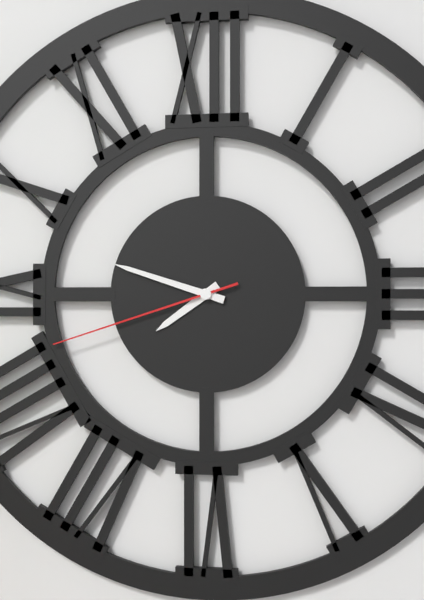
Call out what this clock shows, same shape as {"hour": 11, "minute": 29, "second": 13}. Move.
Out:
{"hour": 7, "minute": 48, "second": 42}
